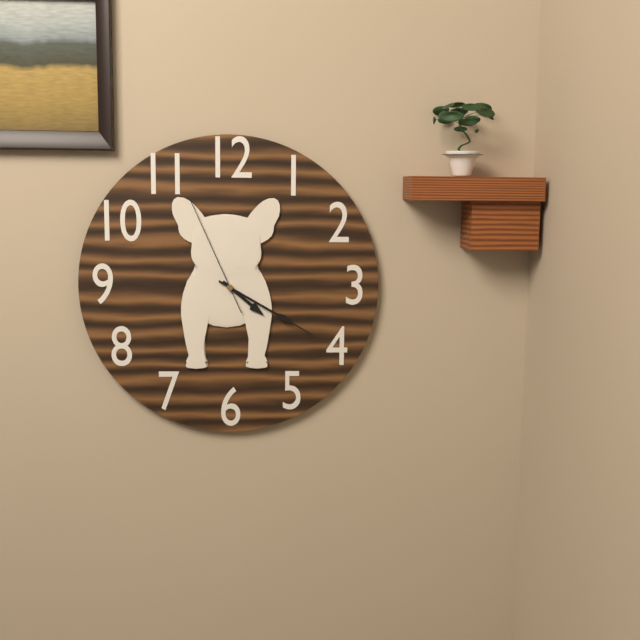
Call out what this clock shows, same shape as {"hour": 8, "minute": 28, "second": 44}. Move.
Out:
{"hour": 4, "minute": 20, "second": 56}
